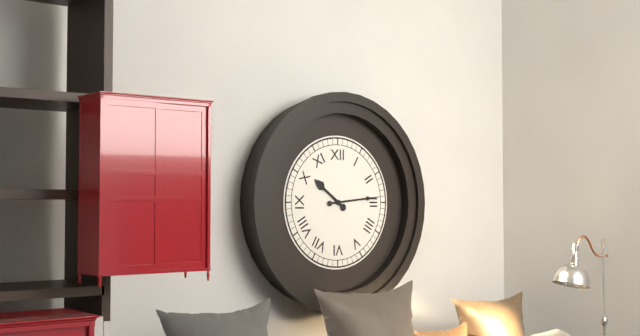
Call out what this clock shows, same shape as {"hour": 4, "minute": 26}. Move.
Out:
{"hour": 10, "minute": 14}
